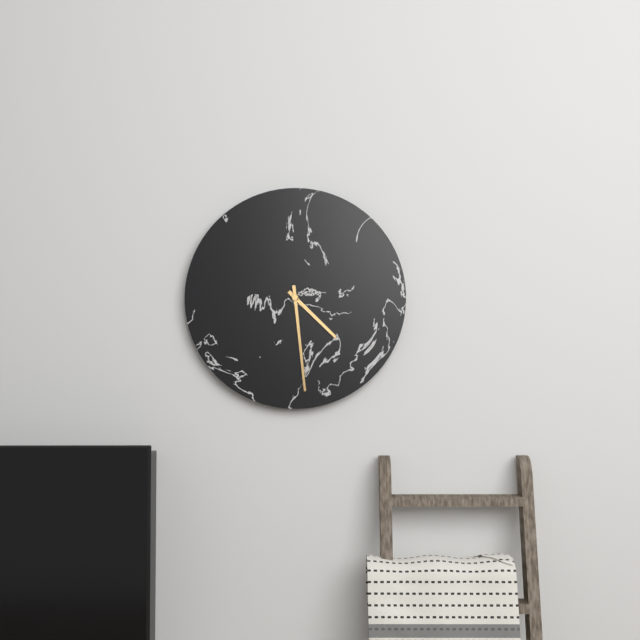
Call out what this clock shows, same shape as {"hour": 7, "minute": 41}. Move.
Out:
{"hour": 4, "minute": 29}
